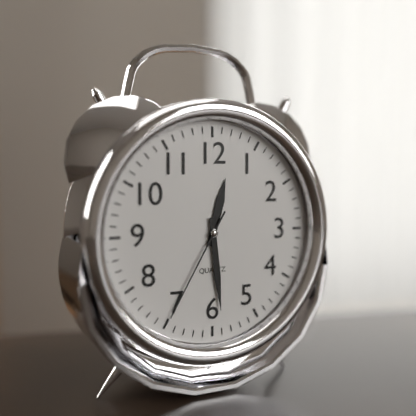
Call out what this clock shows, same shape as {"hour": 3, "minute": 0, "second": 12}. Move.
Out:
{"hour": 12, "minute": 29, "second": 35}
